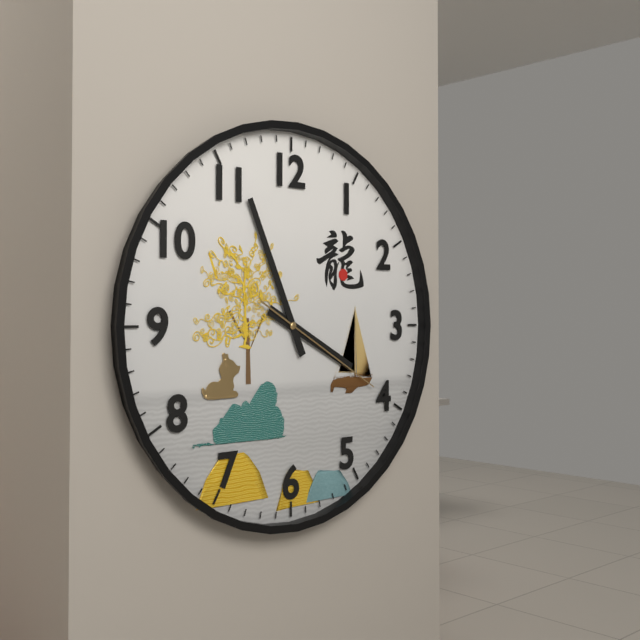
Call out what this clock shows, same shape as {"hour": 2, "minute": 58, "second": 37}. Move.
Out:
{"hour": 3, "minute": 56, "second": 20}
